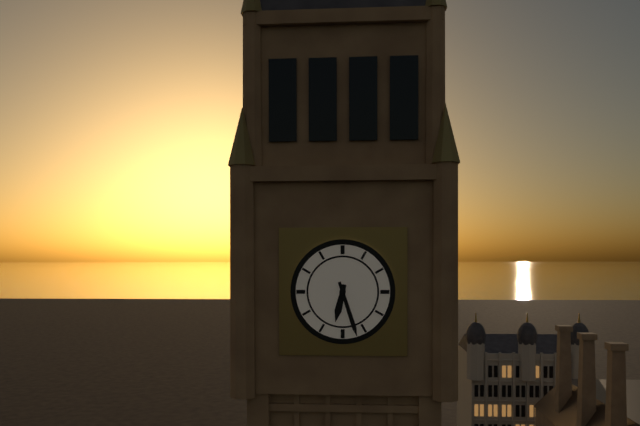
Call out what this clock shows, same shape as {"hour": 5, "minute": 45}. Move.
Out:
{"hour": 6, "minute": 27}
